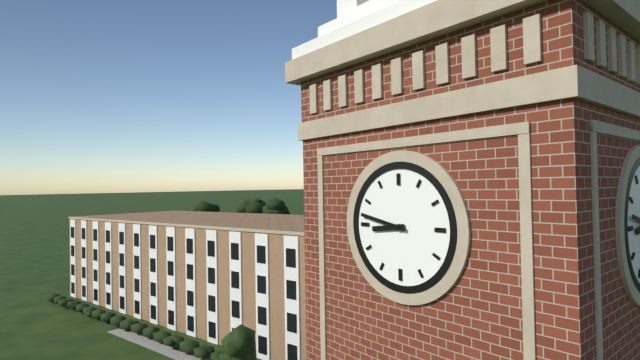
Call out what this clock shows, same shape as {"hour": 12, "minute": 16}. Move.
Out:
{"hour": 8, "minute": 47}
